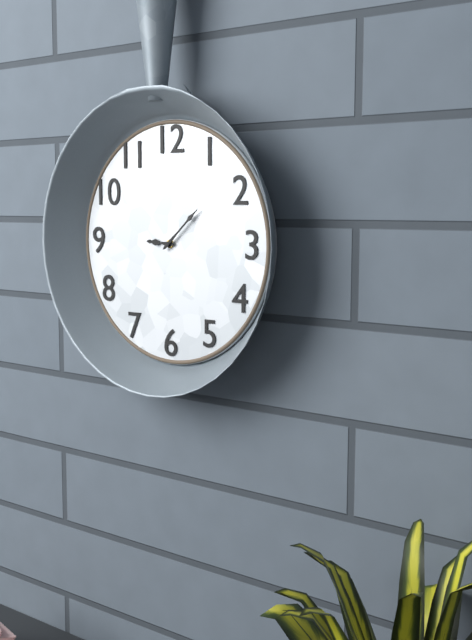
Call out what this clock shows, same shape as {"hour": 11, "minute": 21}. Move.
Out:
{"hour": 9, "minute": 8}
